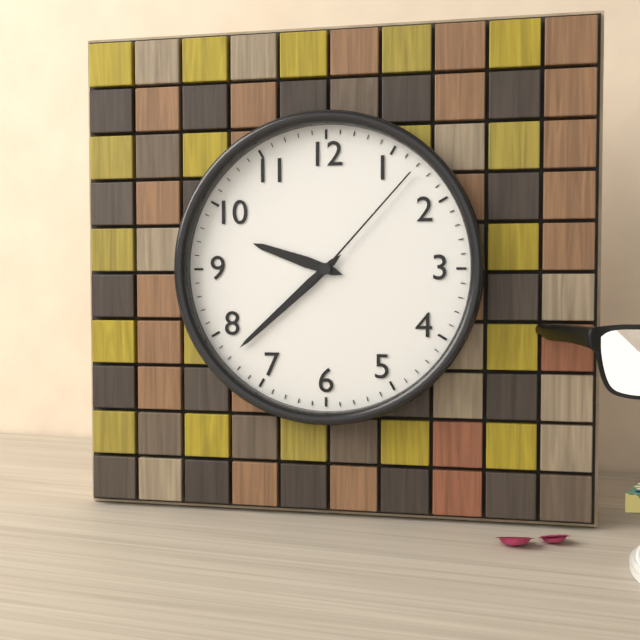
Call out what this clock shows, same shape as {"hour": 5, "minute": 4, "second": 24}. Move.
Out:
{"hour": 9, "minute": 38, "second": 7}
